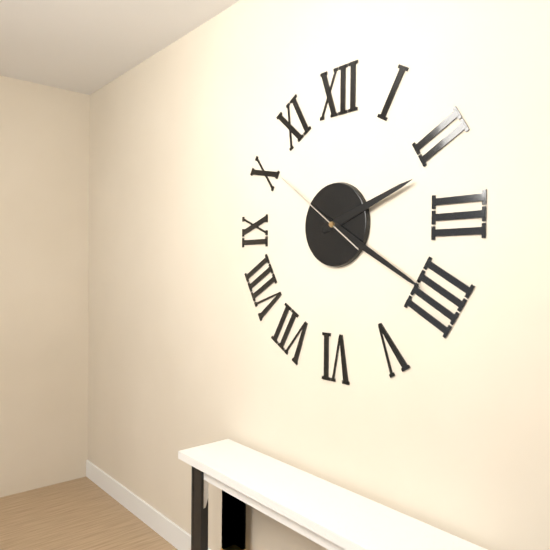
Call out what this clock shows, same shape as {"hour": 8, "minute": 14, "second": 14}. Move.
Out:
{"hour": 2, "minute": 20, "second": 51}
